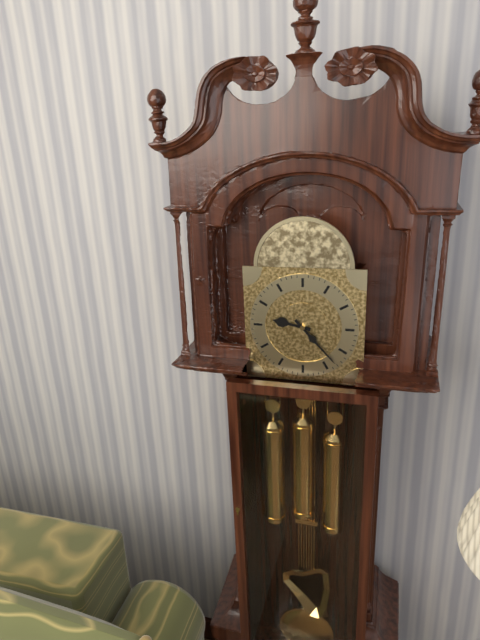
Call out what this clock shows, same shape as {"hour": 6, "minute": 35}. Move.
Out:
{"hour": 9, "minute": 23}
